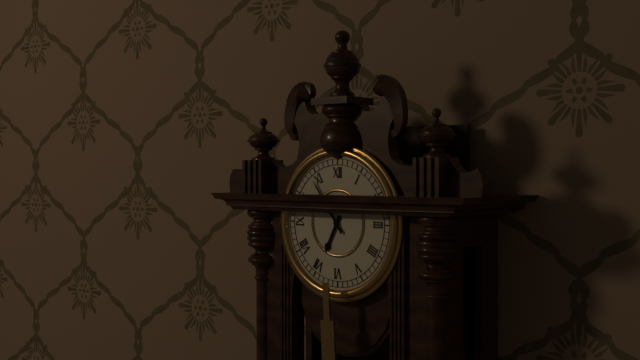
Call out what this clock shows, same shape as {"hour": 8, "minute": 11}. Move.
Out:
{"hour": 6, "minute": 54}
